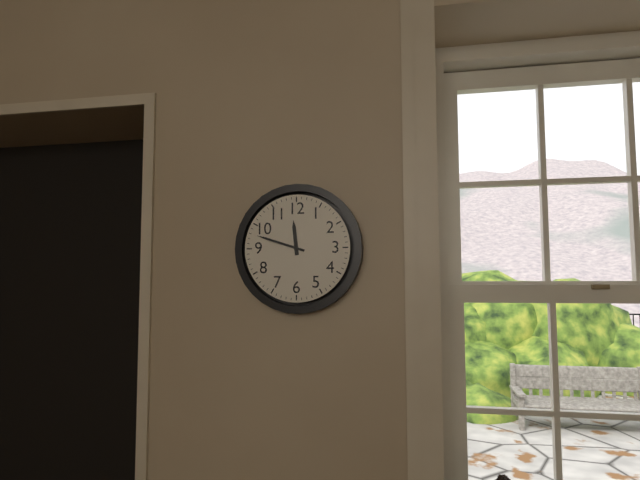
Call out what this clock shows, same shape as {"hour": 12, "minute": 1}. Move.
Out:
{"hour": 11, "minute": 48}
